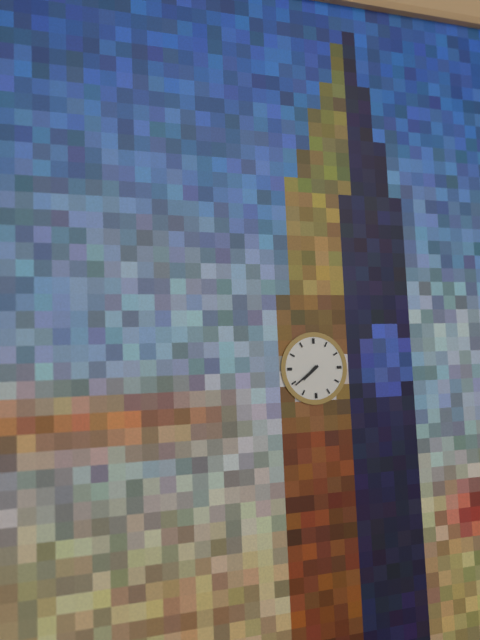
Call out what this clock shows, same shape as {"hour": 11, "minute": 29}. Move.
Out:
{"hour": 7, "minute": 39}
